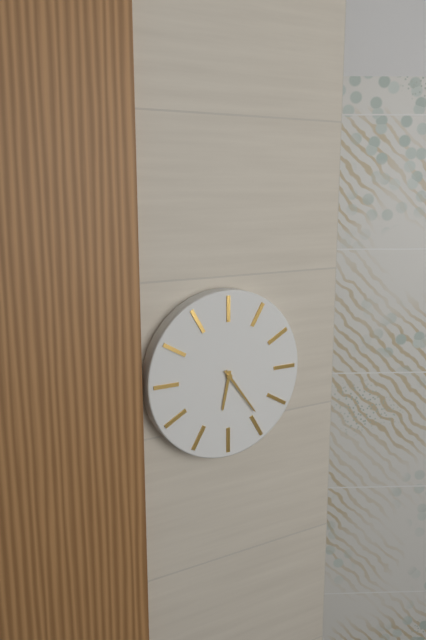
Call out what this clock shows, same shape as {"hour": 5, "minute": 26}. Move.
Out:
{"hour": 6, "minute": 24}
